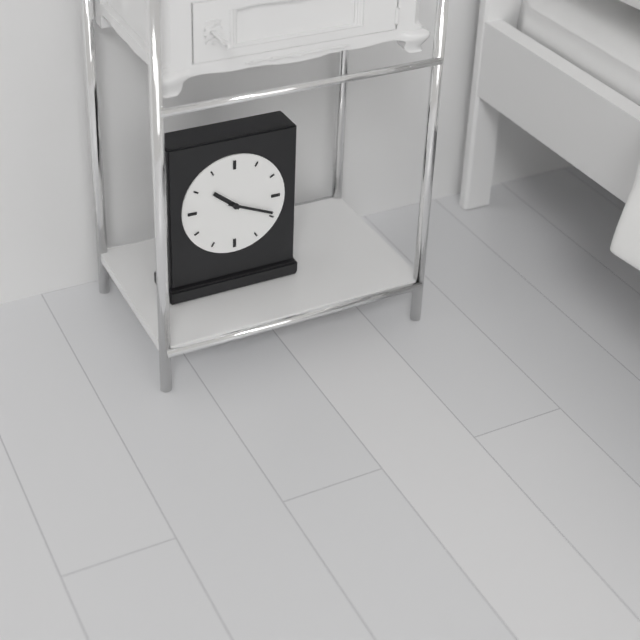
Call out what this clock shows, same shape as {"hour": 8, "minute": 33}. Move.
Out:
{"hour": 10, "minute": 19}
